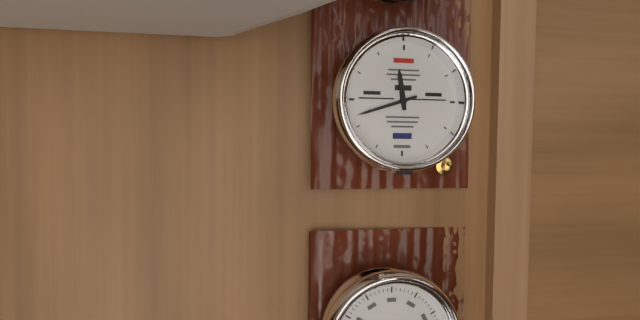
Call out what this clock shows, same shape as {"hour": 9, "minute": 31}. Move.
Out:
{"hour": 11, "minute": 42}
